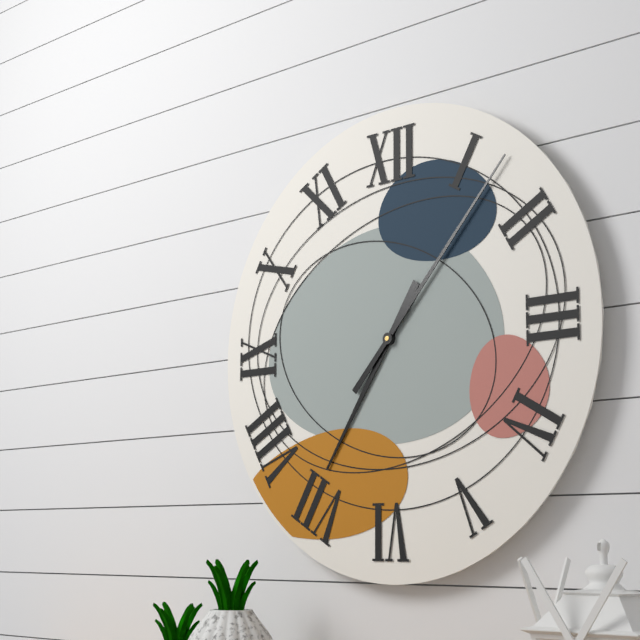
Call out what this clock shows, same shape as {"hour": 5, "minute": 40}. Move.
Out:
{"hour": 7, "minute": 7}
